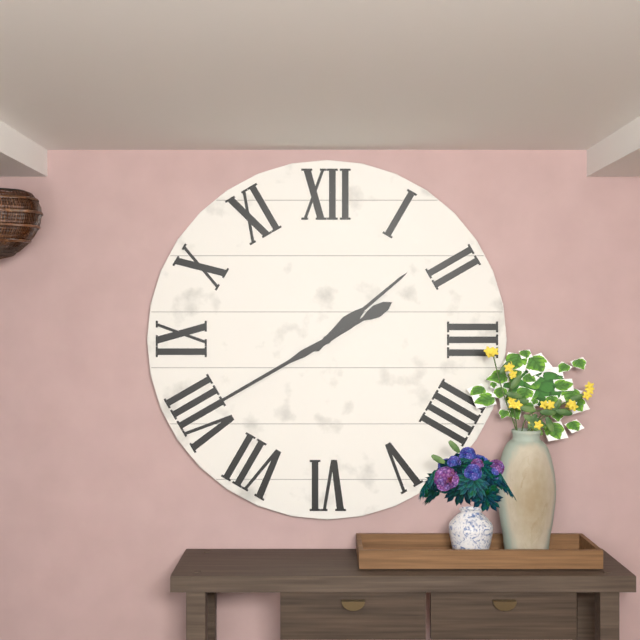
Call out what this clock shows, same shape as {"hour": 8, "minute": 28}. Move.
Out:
{"hour": 1, "minute": 40}
